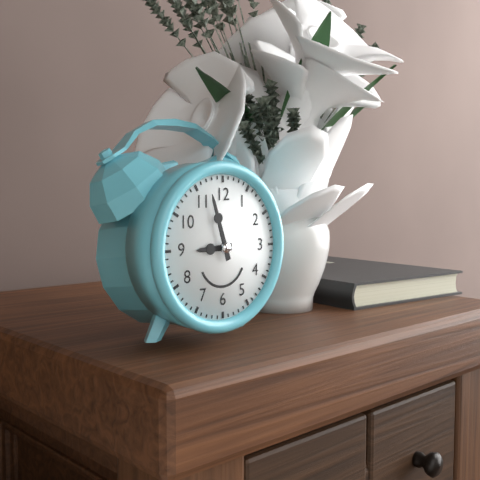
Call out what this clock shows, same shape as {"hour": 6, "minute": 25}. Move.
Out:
{"hour": 8, "minute": 57}
